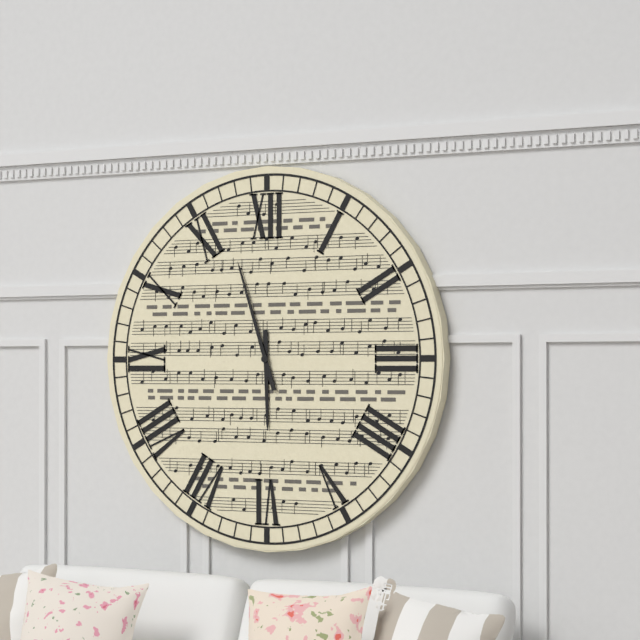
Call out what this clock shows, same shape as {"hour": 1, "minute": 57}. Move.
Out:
{"hour": 5, "minute": 57}
